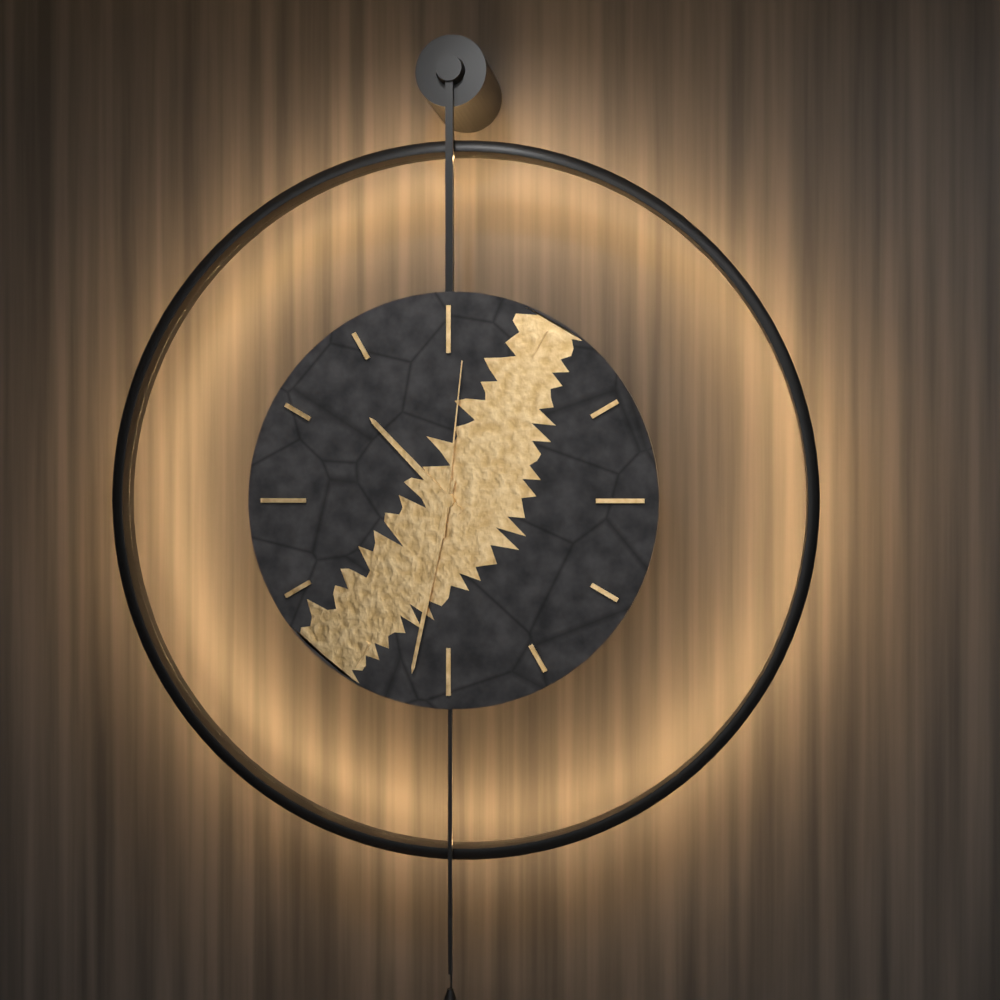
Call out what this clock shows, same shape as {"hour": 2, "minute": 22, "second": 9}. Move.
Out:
{"hour": 10, "minute": 32, "second": 1}
